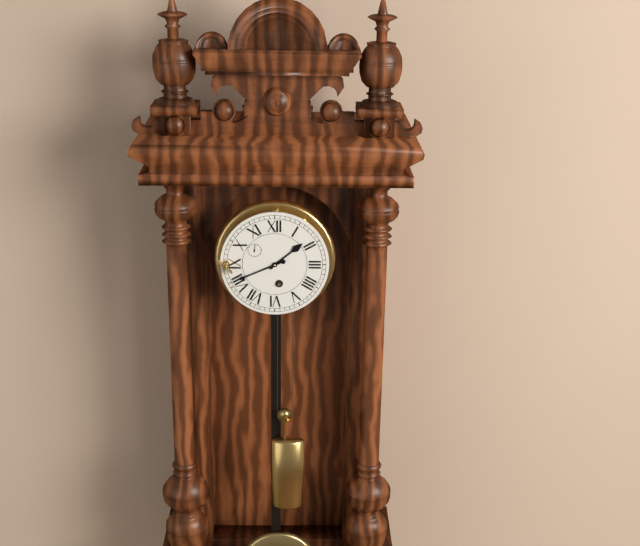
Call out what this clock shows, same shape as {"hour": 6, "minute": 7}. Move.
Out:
{"hour": 1, "minute": 41}
